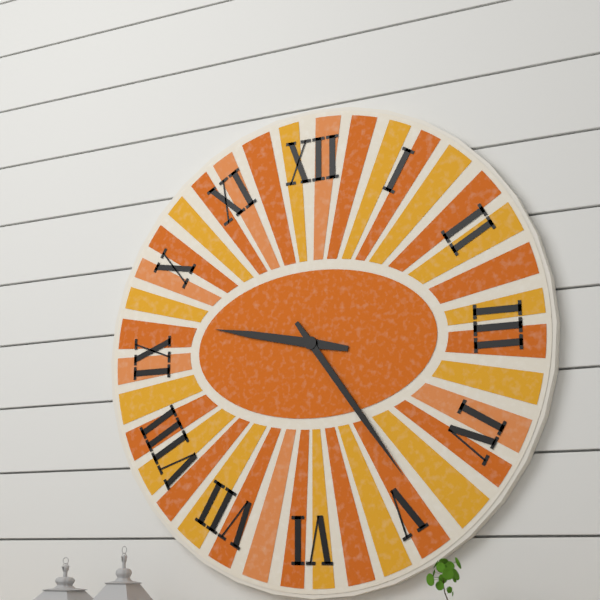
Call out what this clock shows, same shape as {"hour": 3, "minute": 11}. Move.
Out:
{"hour": 9, "minute": 24}
